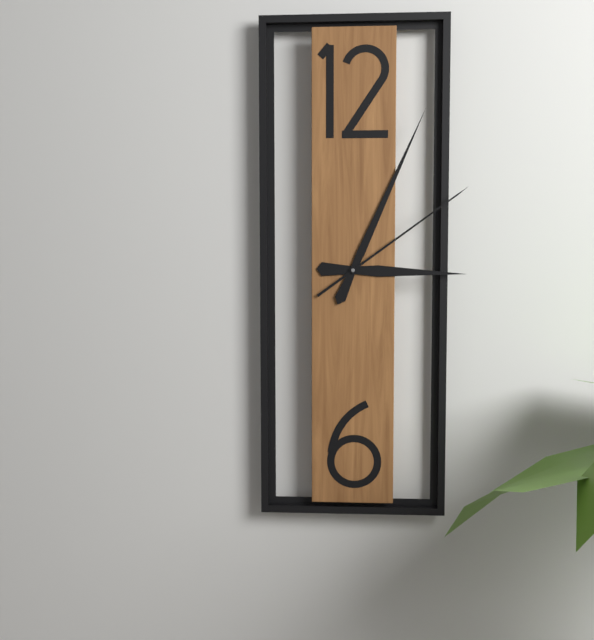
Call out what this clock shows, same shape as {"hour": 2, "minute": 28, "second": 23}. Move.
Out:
{"hour": 3, "minute": 4, "second": 9}
